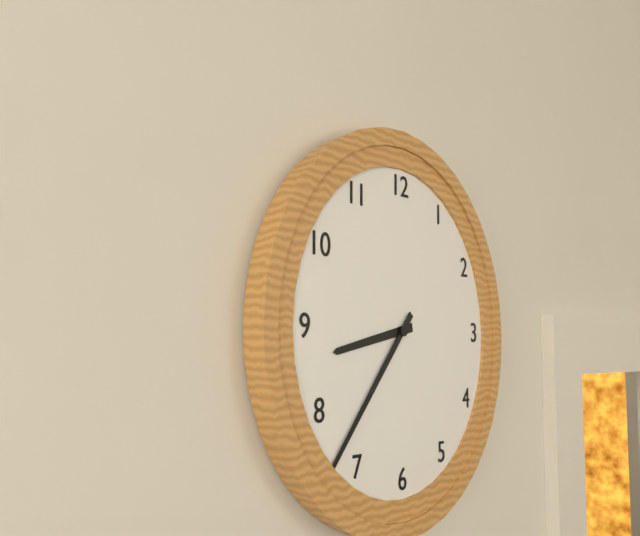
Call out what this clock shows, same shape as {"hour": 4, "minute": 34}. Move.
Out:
{"hour": 8, "minute": 37}
